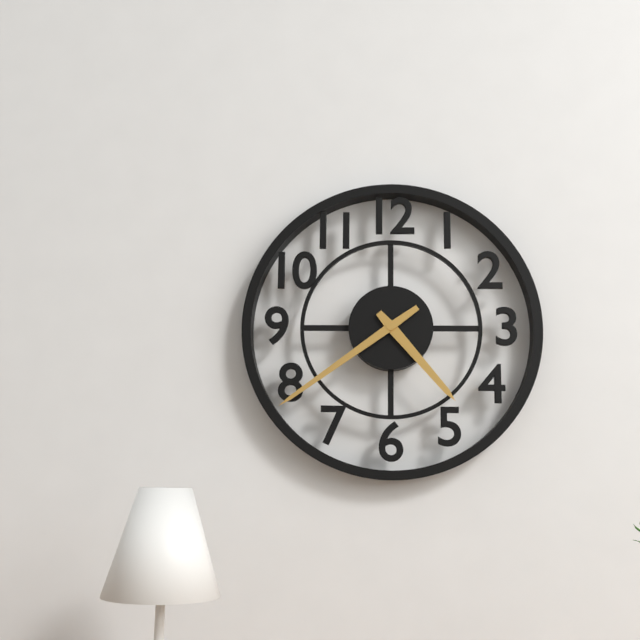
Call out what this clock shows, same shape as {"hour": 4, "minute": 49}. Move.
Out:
{"hour": 4, "minute": 39}
